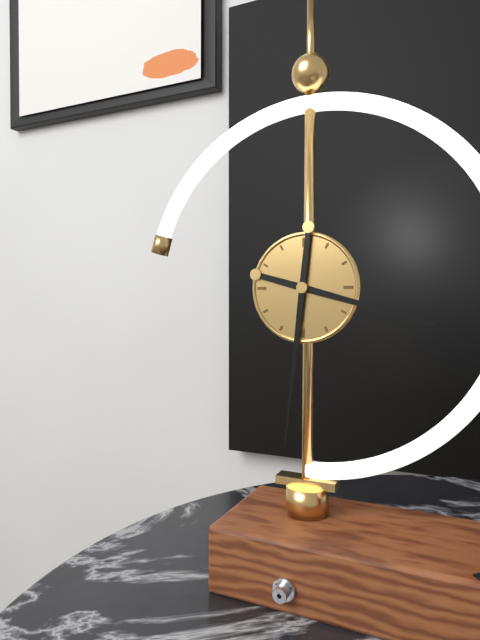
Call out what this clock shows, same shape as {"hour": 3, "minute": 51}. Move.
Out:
{"hour": 3, "minute": 31}
